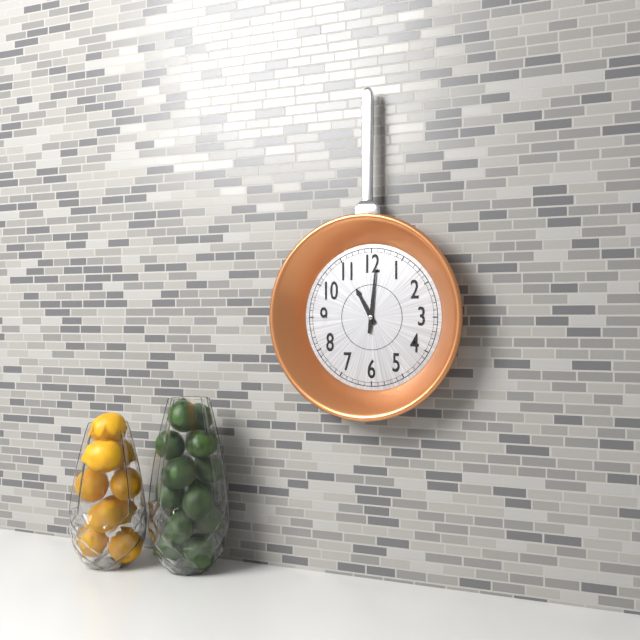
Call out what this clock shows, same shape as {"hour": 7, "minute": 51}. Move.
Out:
{"hour": 11, "minute": 1}
